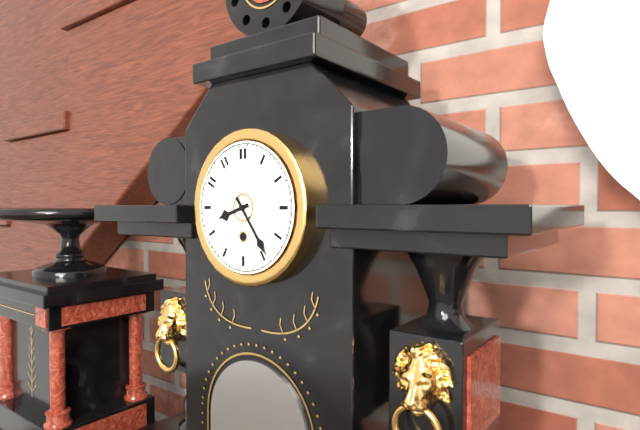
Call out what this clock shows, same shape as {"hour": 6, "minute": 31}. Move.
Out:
{"hour": 8, "minute": 24}
